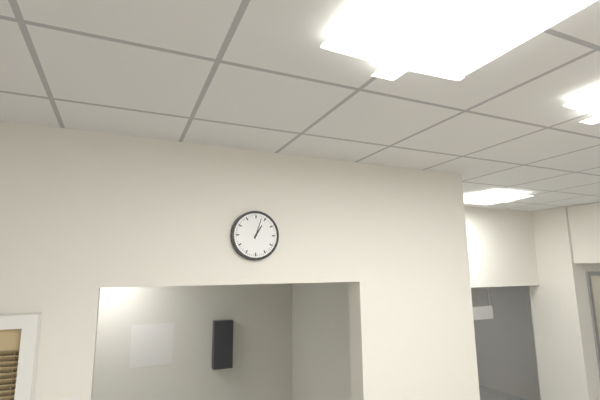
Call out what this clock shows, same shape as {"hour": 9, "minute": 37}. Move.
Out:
{"hour": 1, "minute": 3}
